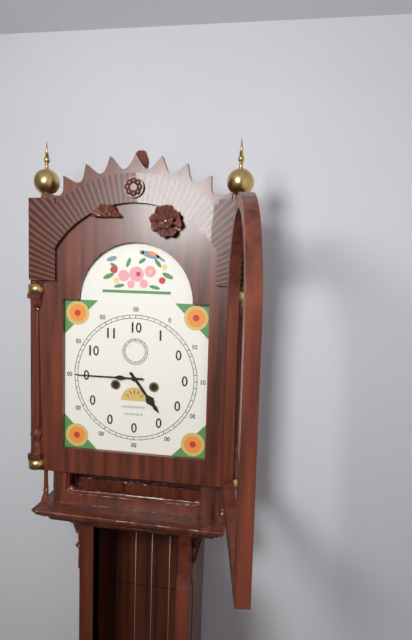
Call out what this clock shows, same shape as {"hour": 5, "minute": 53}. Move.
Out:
{"hour": 4, "minute": 45}
